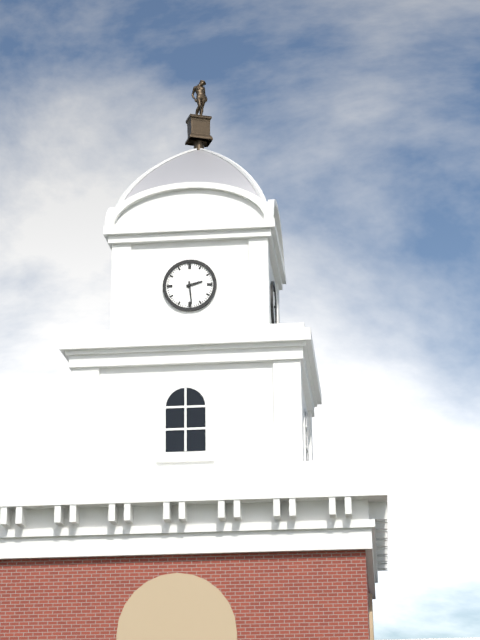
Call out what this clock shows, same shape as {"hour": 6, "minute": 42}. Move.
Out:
{"hour": 2, "minute": 29}
